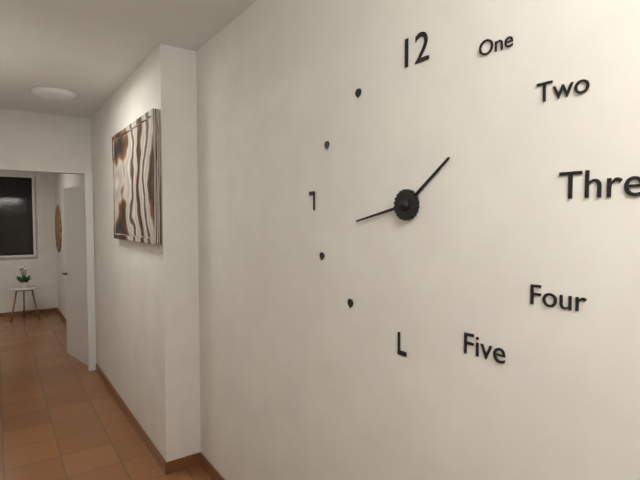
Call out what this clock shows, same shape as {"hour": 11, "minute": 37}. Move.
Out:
{"hour": 1, "minute": 43}
